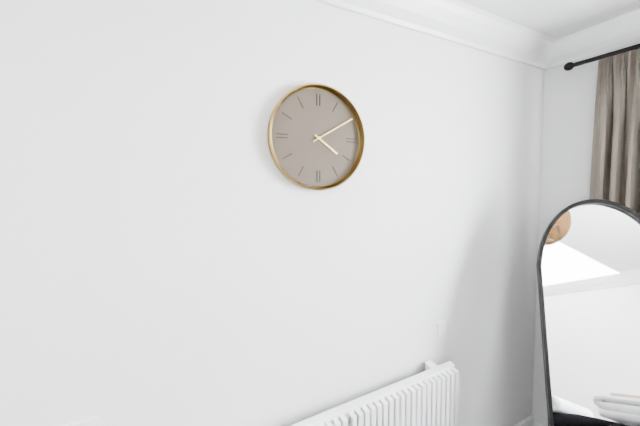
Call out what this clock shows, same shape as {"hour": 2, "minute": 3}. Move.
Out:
{"hour": 4, "minute": 10}
